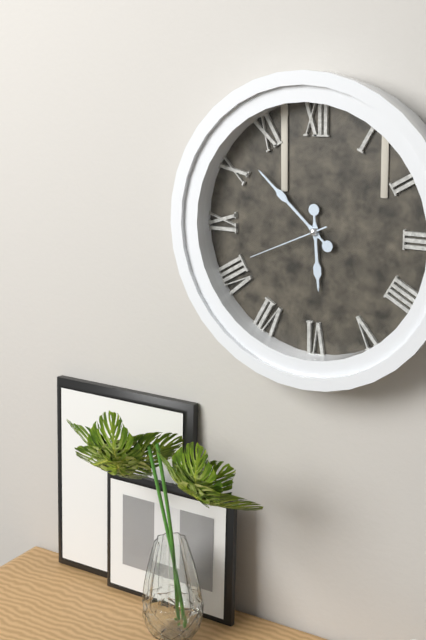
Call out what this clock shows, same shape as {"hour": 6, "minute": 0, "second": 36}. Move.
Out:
{"hour": 5, "minute": 52, "second": 41}
